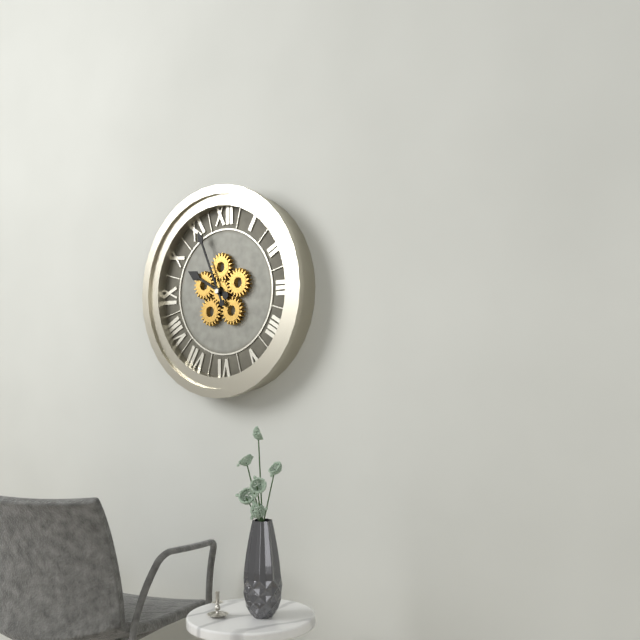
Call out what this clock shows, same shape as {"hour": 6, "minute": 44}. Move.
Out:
{"hour": 9, "minute": 56}
